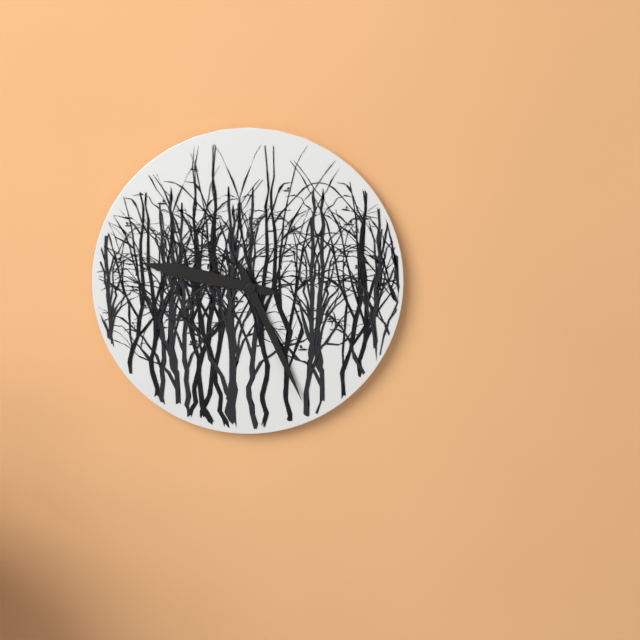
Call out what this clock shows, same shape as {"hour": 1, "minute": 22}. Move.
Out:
{"hour": 9, "minute": 26}
